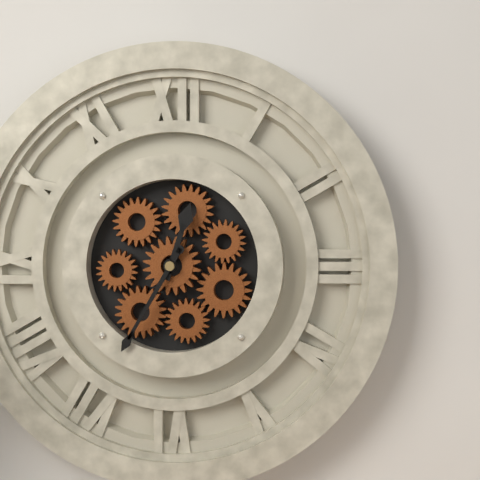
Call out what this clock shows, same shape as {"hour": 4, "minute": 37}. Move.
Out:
{"hour": 12, "minute": 35}
